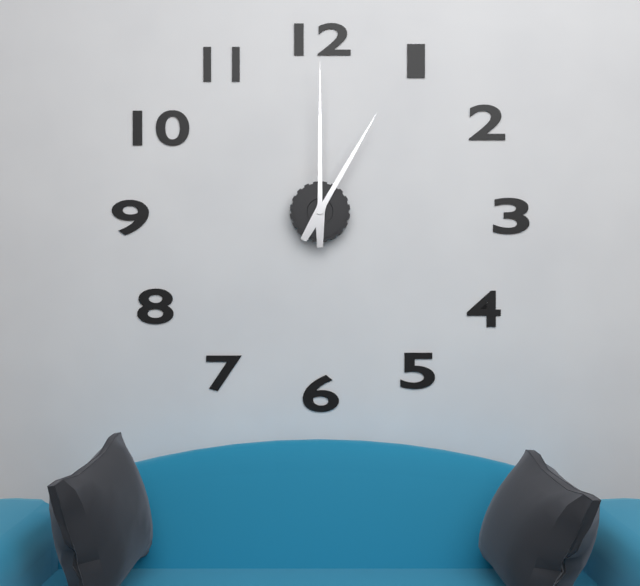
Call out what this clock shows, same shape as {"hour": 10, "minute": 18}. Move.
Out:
{"hour": 1, "minute": 0}
